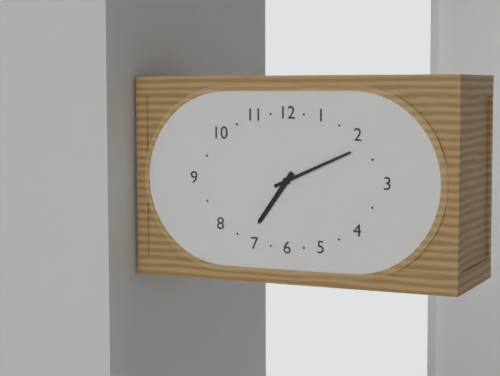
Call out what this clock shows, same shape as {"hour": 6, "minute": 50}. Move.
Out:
{"hour": 7, "minute": 11}
